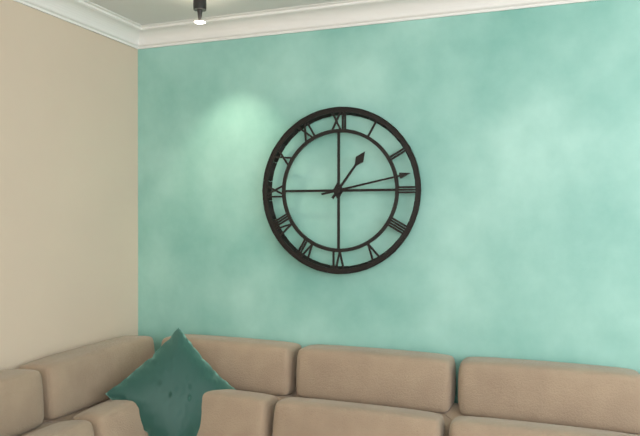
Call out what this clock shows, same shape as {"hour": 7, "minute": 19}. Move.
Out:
{"hour": 1, "minute": 13}
